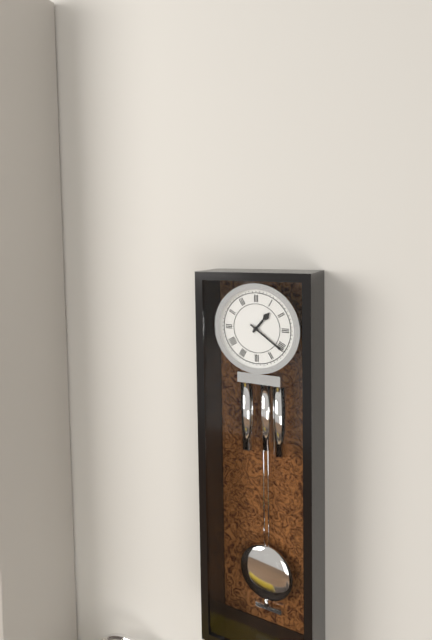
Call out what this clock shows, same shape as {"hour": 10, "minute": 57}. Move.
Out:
{"hour": 1, "minute": 21}
